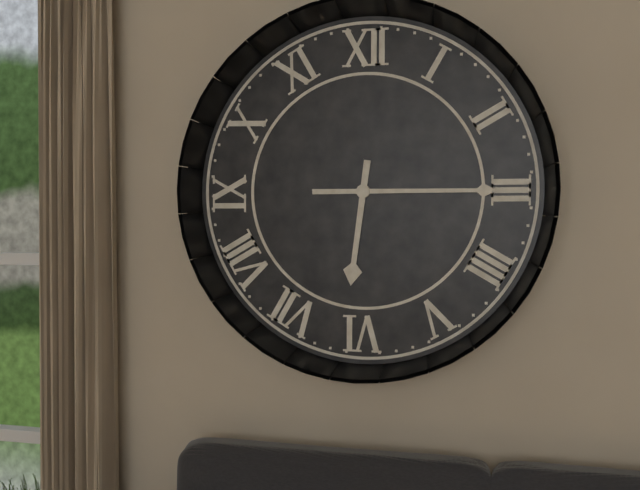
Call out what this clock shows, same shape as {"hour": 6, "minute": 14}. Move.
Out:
{"hour": 6, "minute": 15}
